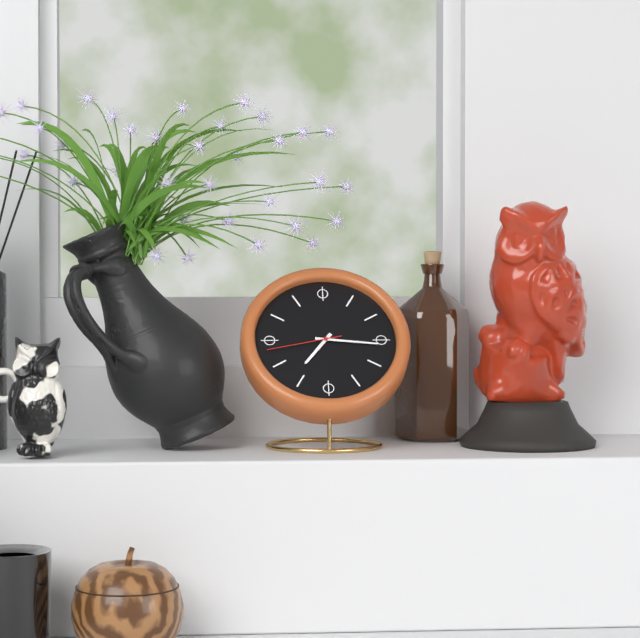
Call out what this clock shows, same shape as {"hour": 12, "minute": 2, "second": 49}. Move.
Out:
{"hour": 7, "minute": 16, "second": 43}
